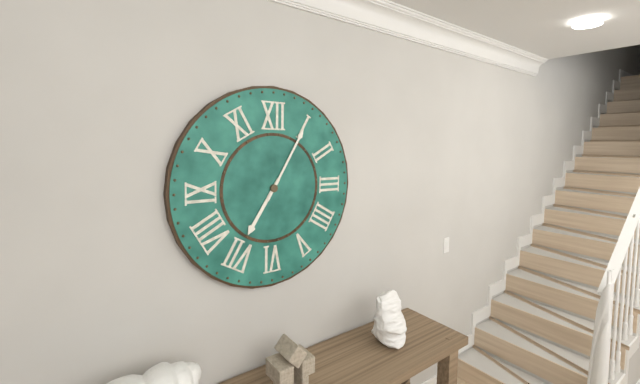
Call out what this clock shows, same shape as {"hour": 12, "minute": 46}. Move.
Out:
{"hour": 7, "minute": 5}
